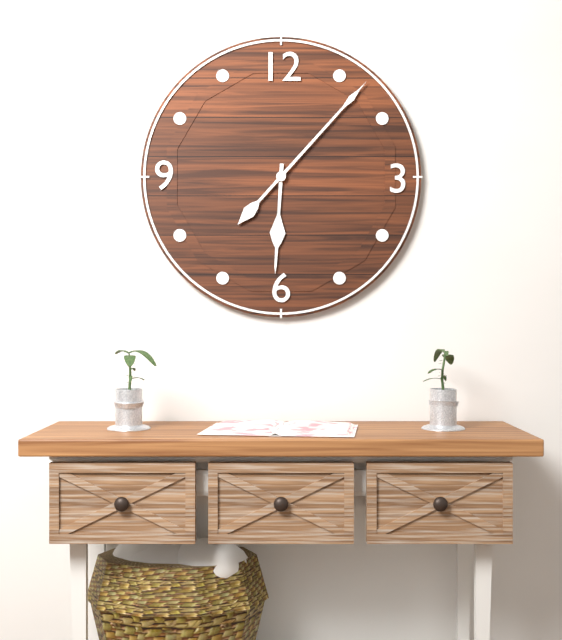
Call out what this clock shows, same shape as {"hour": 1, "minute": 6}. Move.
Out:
{"hour": 6, "minute": 7}
